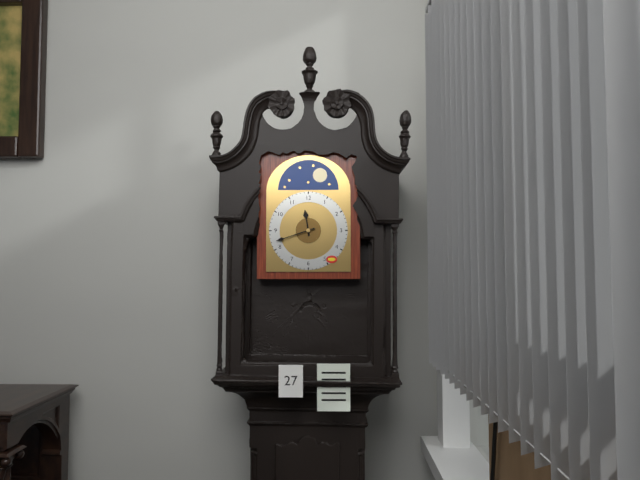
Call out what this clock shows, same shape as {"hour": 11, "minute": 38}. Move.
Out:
{"hour": 11, "minute": 42}
